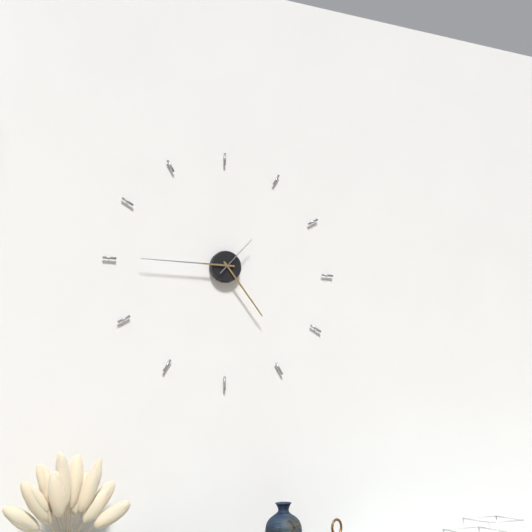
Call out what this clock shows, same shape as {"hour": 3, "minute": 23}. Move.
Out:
{"hour": 4, "minute": 45}
